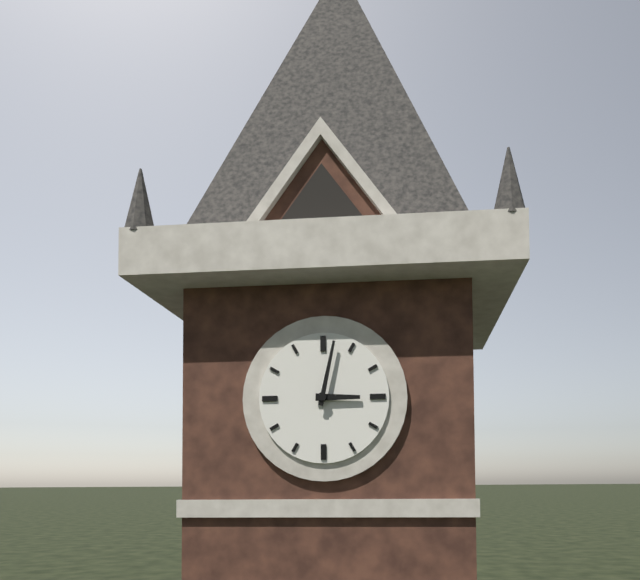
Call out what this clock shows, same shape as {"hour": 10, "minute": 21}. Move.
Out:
{"hour": 3, "minute": 2}
